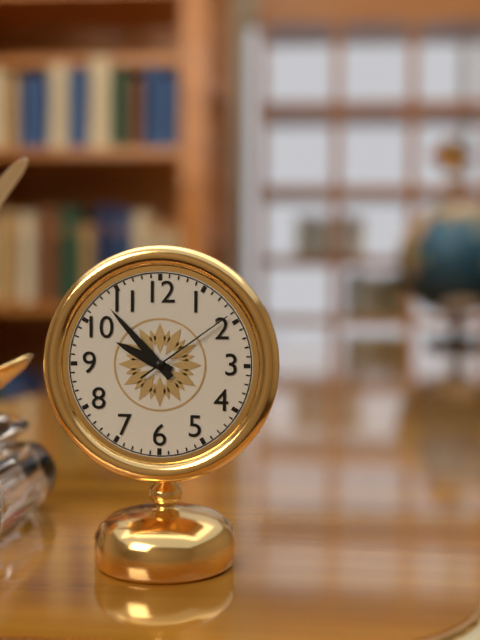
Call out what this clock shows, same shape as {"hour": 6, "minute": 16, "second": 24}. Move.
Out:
{"hour": 9, "minute": 53, "second": 9}
